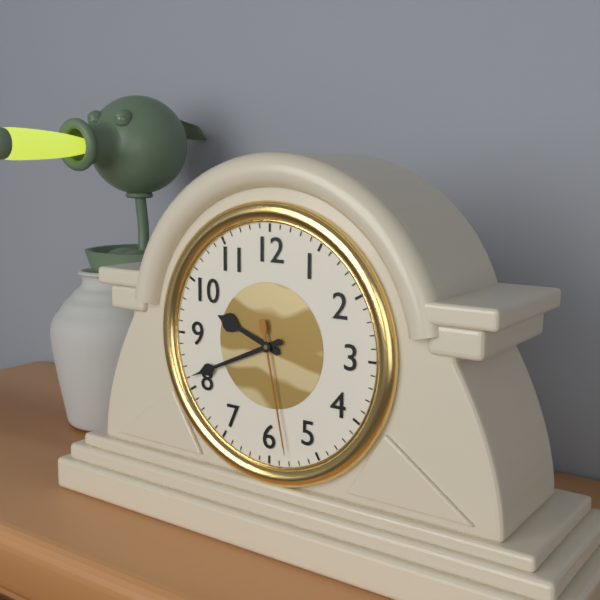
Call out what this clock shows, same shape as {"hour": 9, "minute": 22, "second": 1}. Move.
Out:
{"hour": 9, "minute": 41, "second": 28}
